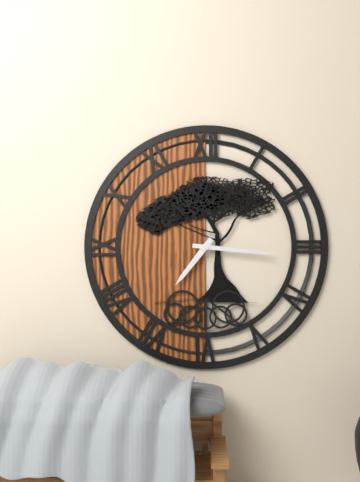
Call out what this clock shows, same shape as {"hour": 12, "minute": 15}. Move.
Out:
{"hour": 7, "minute": 16}
